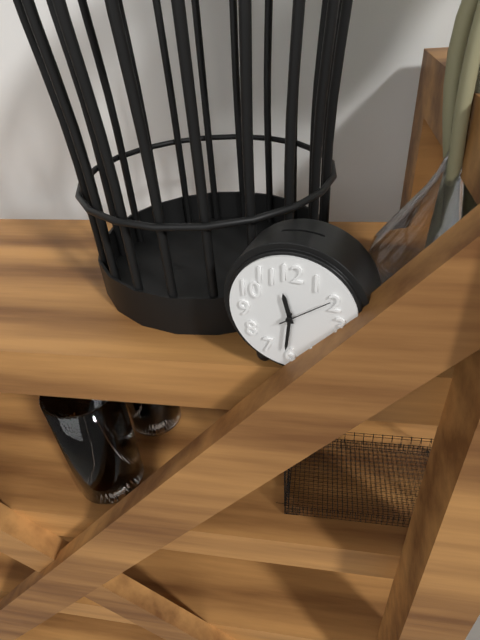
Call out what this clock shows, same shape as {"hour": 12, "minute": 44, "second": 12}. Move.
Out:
{"hour": 11, "minute": 31, "second": 9}
